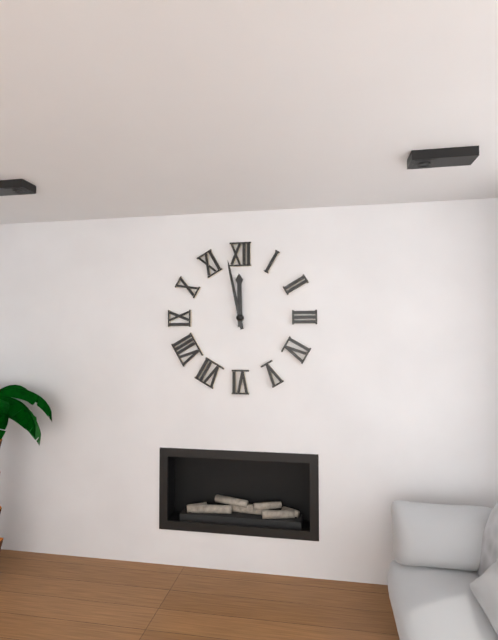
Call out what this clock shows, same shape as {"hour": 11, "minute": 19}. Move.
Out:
{"hour": 11, "minute": 58}
